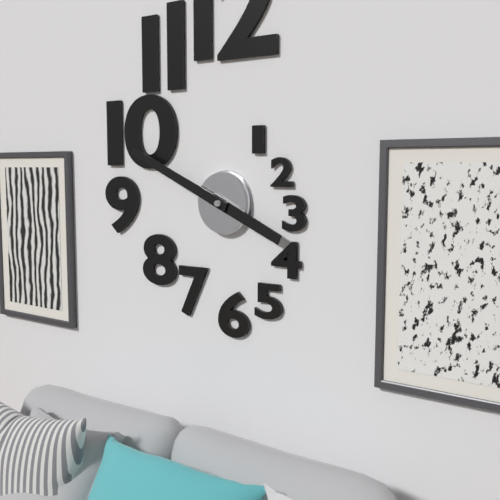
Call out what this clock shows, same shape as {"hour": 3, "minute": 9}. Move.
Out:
{"hour": 3, "minute": 49}
